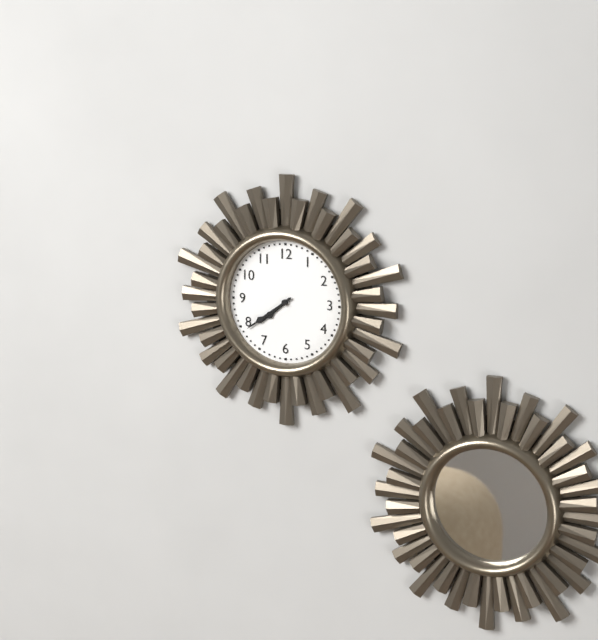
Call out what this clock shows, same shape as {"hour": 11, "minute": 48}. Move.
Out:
{"hour": 7, "minute": 39}
